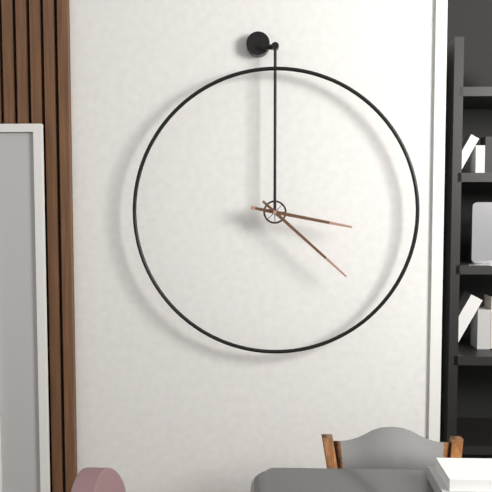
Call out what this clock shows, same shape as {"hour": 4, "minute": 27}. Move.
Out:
{"hour": 3, "minute": 22}
